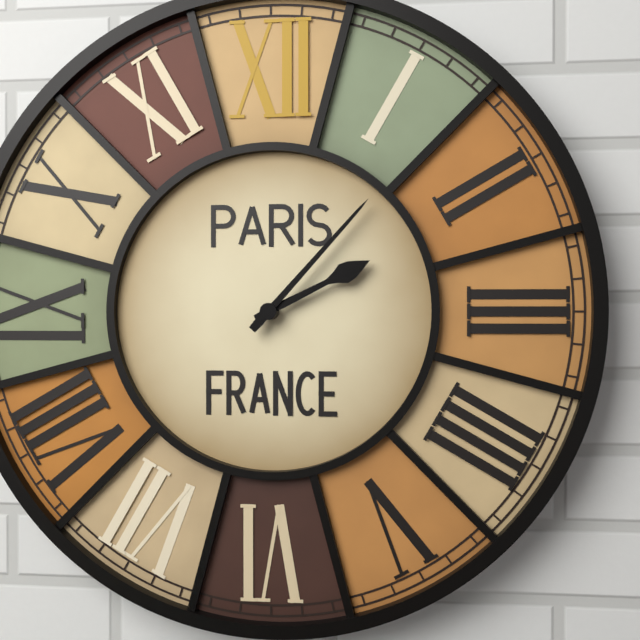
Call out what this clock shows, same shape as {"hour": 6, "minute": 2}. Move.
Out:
{"hour": 2, "minute": 7}
